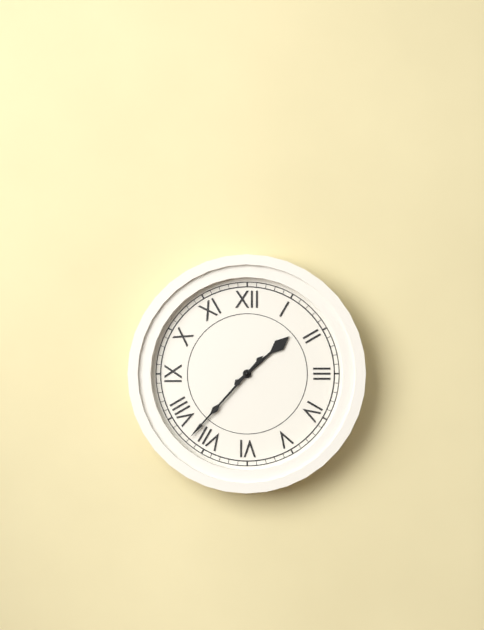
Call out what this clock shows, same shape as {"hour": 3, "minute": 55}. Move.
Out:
{"hour": 1, "minute": 37}
